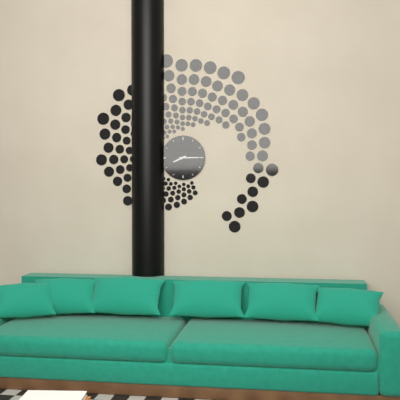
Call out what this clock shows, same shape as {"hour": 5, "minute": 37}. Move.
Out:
{"hour": 8, "minute": 15}
